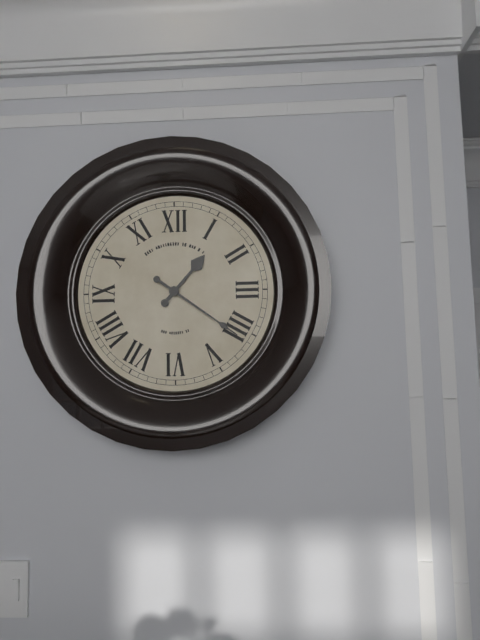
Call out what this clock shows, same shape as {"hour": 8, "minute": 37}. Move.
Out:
{"hour": 1, "minute": 21}
